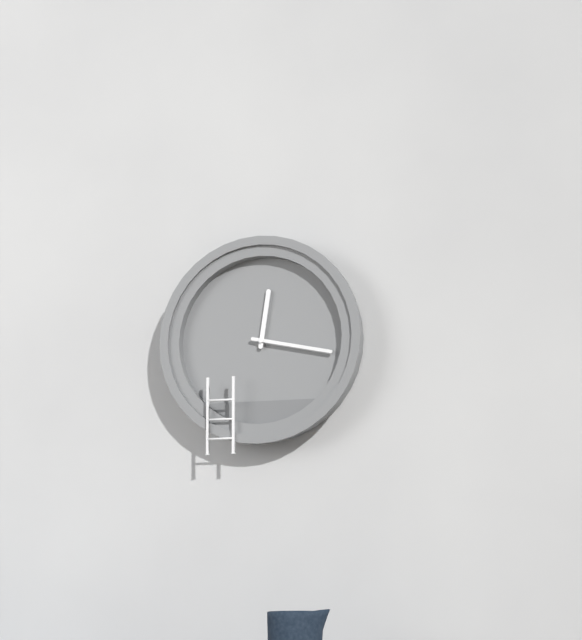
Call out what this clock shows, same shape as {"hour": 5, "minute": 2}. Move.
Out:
{"hour": 12, "minute": 17}
